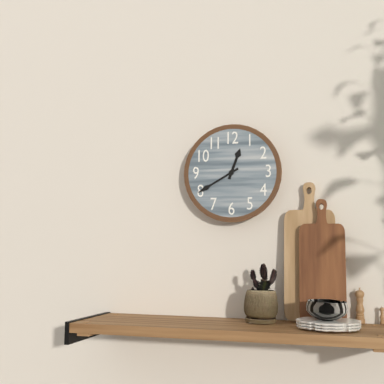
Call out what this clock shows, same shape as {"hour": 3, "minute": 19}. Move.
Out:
{"hour": 12, "minute": 40}
